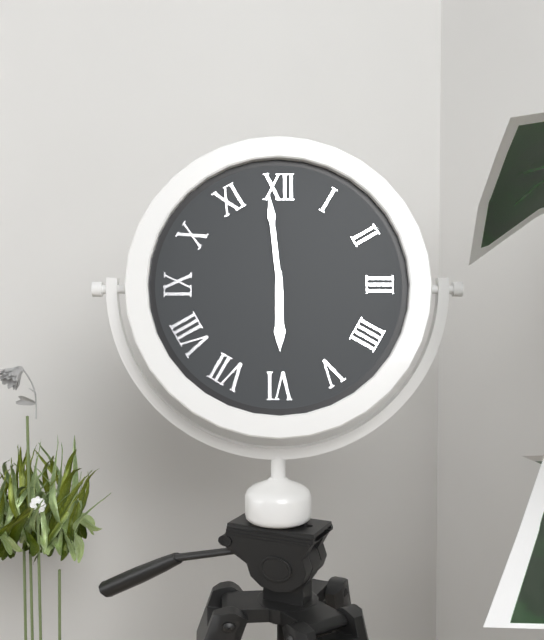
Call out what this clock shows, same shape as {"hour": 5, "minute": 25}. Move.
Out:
{"hour": 5, "minute": 59}
